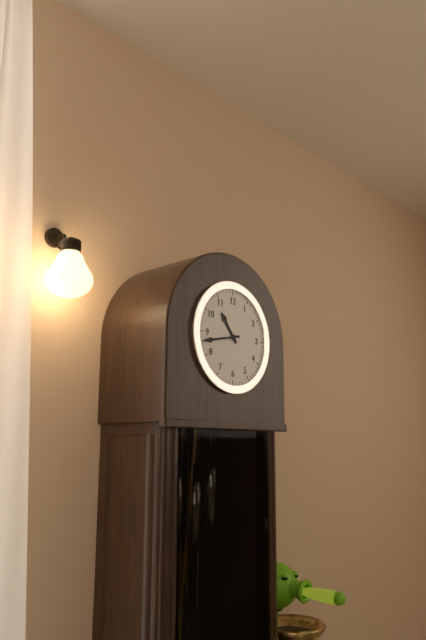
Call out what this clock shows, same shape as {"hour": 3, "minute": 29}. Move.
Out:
{"hour": 10, "minute": 43}
